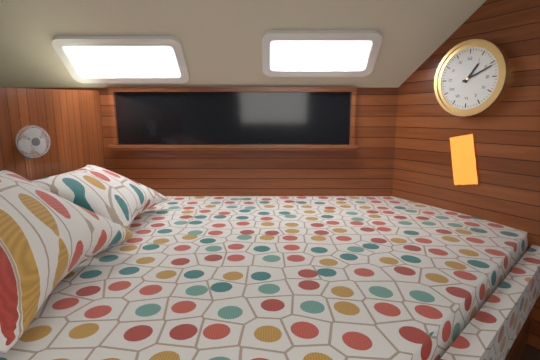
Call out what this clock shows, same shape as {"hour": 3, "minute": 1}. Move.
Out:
{"hour": 1, "minute": 11}
